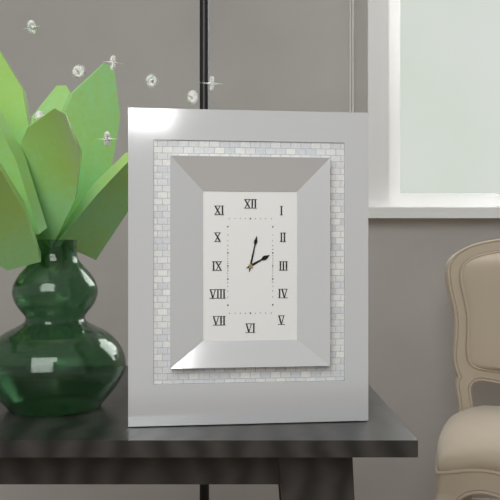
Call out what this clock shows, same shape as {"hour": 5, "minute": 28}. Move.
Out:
{"hour": 2, "minute": 2}
